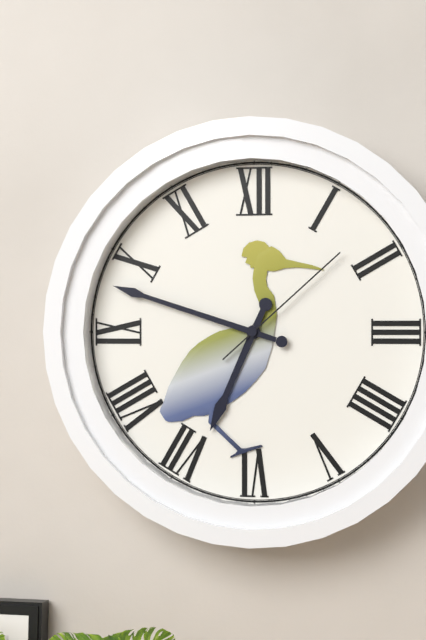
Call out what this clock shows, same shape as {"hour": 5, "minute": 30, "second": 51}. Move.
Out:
{"hour": 6, "minute": 48, "second": 8}
